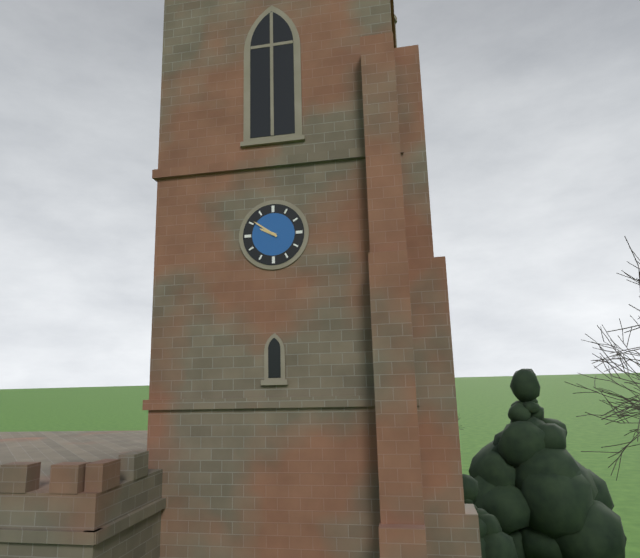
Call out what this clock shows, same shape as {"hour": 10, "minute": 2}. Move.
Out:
{"hour": 9, "minute": 51}
